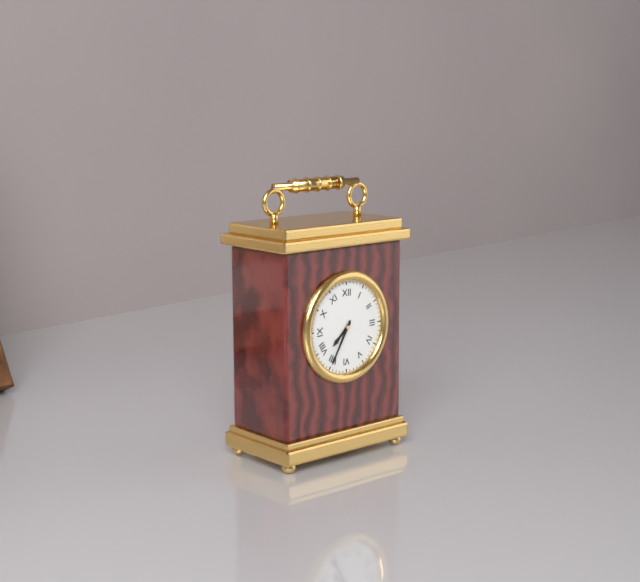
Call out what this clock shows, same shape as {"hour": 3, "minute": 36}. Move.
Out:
{"hour": 7, "minute": 35}
